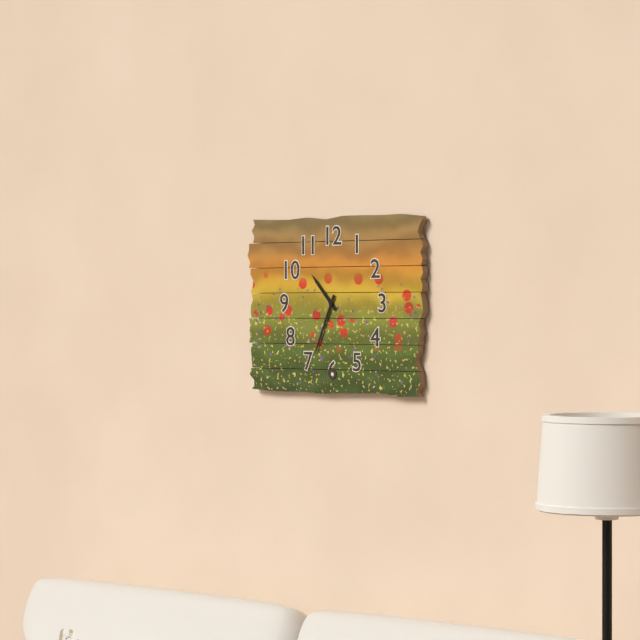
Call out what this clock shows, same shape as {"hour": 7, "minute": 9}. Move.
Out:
{"hour": 10, "minute": 34}
